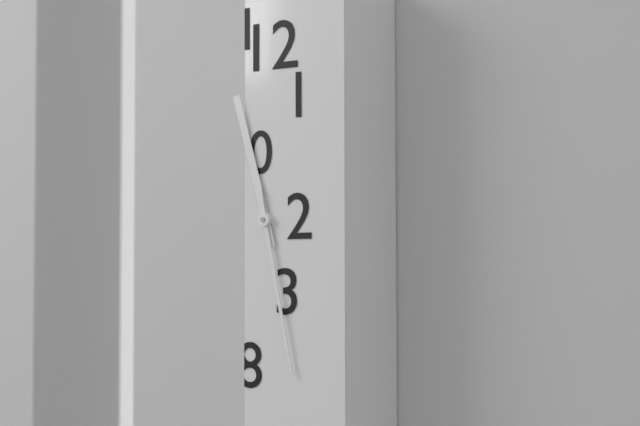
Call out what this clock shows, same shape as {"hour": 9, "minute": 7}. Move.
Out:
{"hour": 11, "minute": 28}
